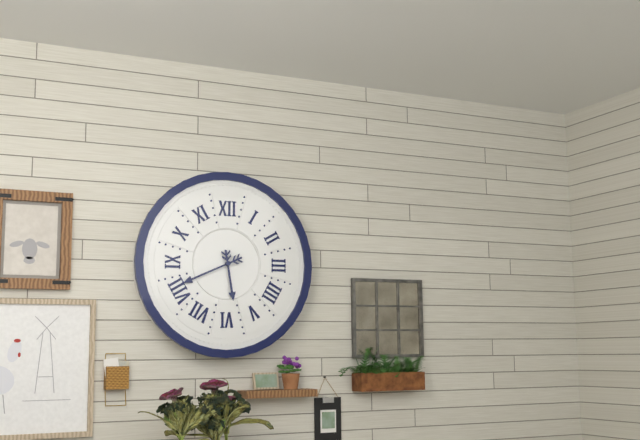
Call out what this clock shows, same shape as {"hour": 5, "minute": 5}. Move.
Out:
{"hour": 5, "minute": 41}
